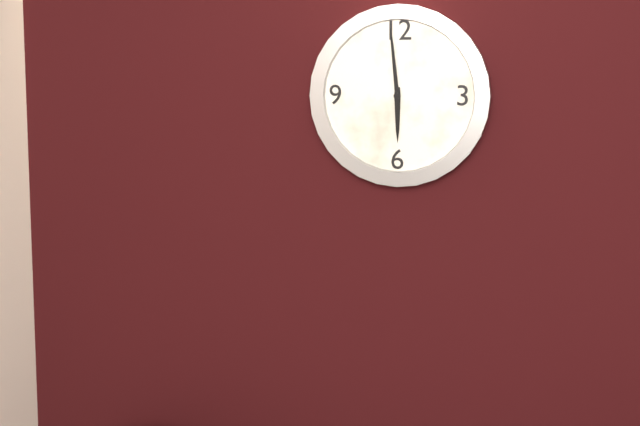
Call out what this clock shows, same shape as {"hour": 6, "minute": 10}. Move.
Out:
{"hour": 5, "minute": 59}
